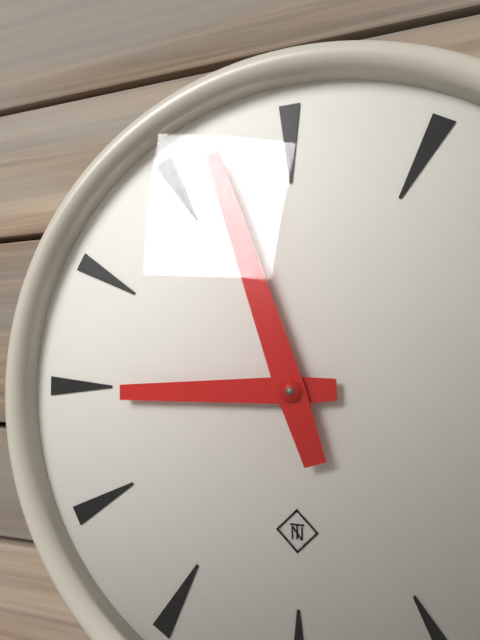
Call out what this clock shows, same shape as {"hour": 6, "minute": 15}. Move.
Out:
{"hour": 8, "minute": 57}
